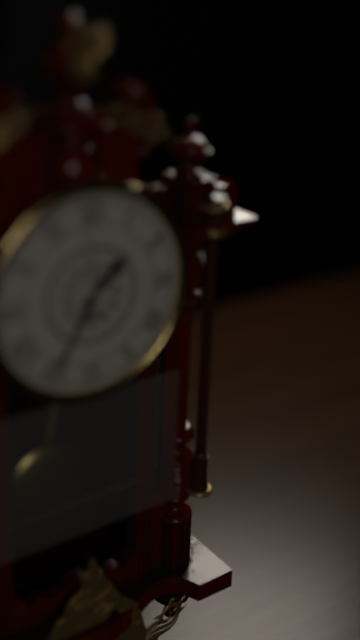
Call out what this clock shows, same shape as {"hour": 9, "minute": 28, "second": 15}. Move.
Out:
{"hour": 1, "minute": 35, "second": 59}
